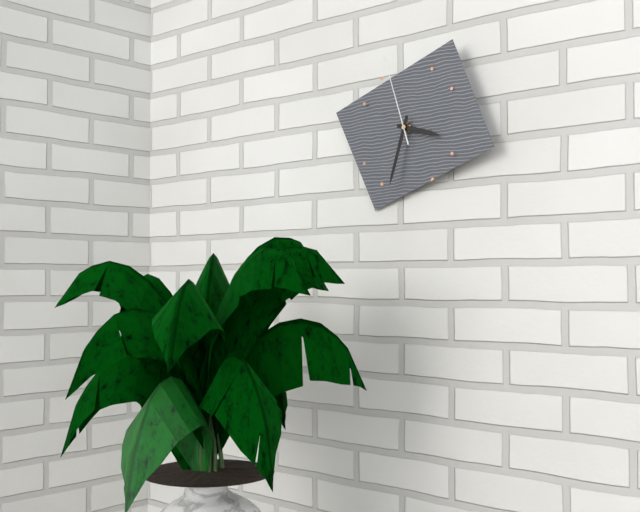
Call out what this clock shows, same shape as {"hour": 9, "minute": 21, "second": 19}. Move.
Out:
{"hour": 3, "minute": 33, "second": 57}
